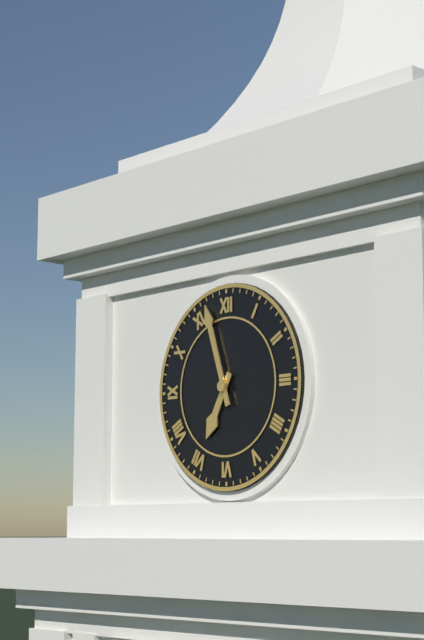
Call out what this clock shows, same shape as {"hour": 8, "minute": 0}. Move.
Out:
{"hour": 6, "minute": 57}
